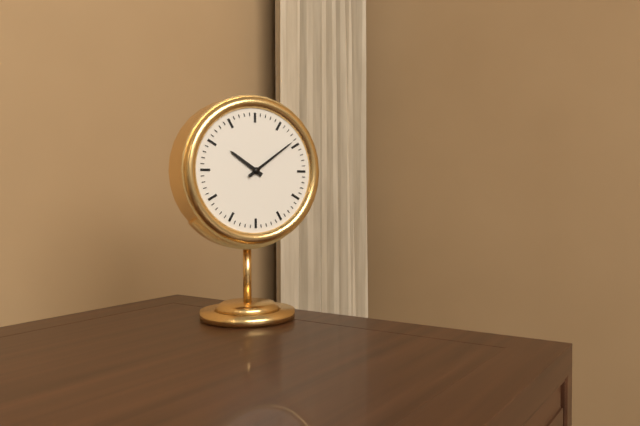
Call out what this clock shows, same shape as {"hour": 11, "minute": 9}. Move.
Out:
{"hour": 10, "minute": 9}
